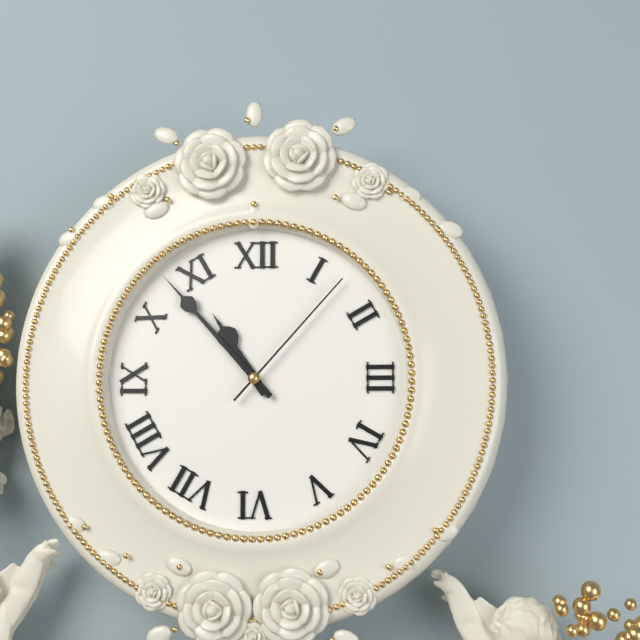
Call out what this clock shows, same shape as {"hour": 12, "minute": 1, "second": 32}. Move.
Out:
{"hour": 10, "minute": 53, "second": 7}
